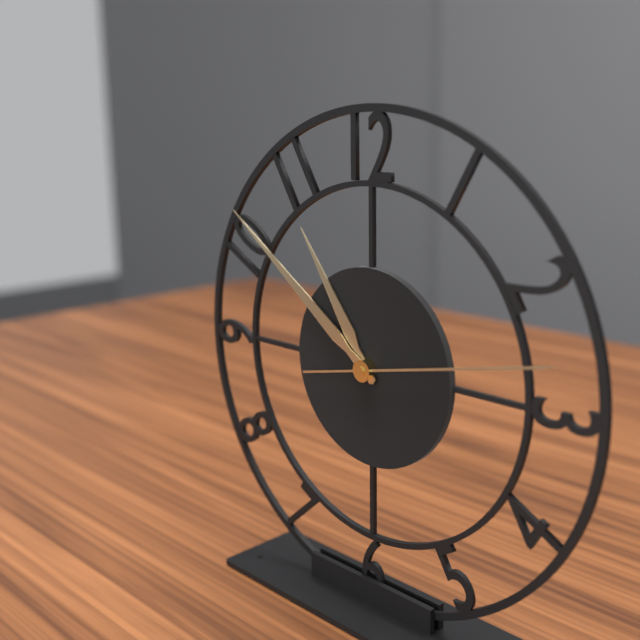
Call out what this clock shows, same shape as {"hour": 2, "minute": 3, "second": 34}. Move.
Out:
{"hour": 10, "minute": 51, "second": 13}
